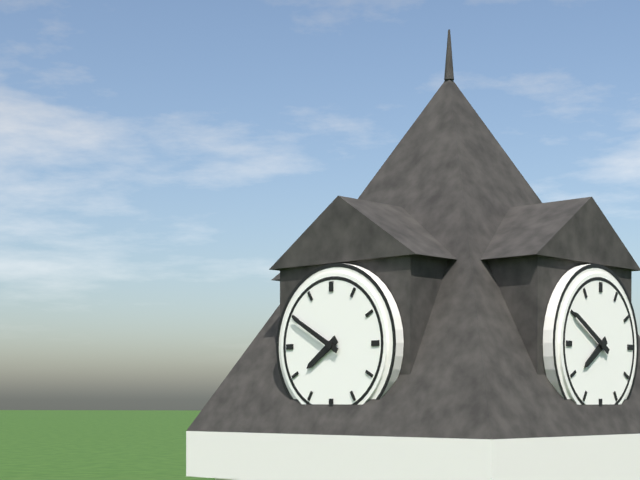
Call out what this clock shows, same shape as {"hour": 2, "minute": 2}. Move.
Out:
{"hour": 7, "minute": 50}
